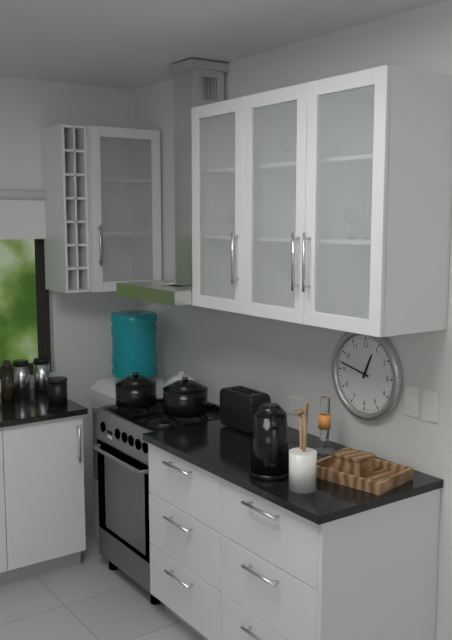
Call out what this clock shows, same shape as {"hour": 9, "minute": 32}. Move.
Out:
{"hour": 12, "minute": 47}
